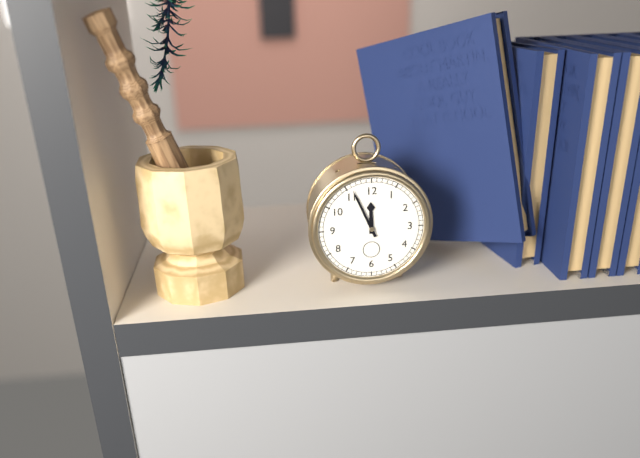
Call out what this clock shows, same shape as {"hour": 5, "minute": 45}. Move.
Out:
{"hour": 11, "minute": 56}
